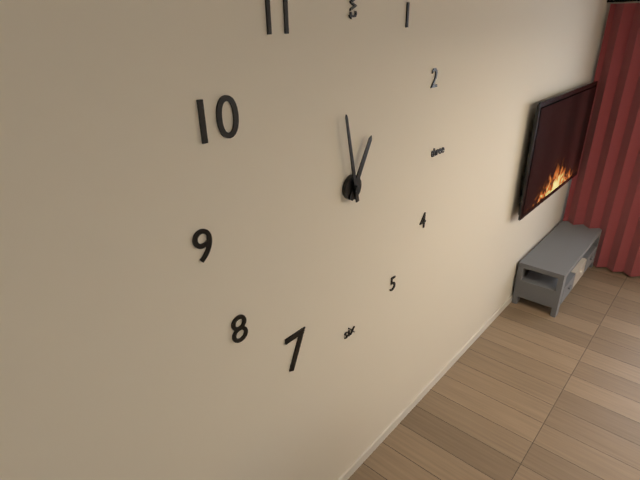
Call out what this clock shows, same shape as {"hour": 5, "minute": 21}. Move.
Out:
{"hour": 12, "minute": 58}
